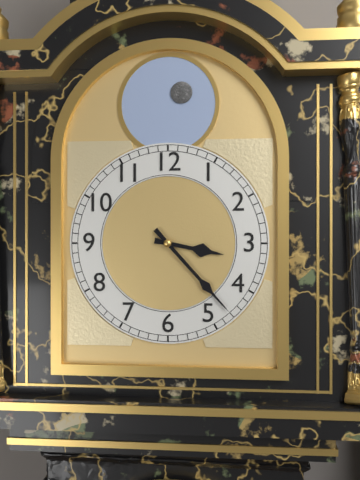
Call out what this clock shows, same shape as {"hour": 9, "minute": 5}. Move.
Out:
{"hour": 3, "minute": 23}
